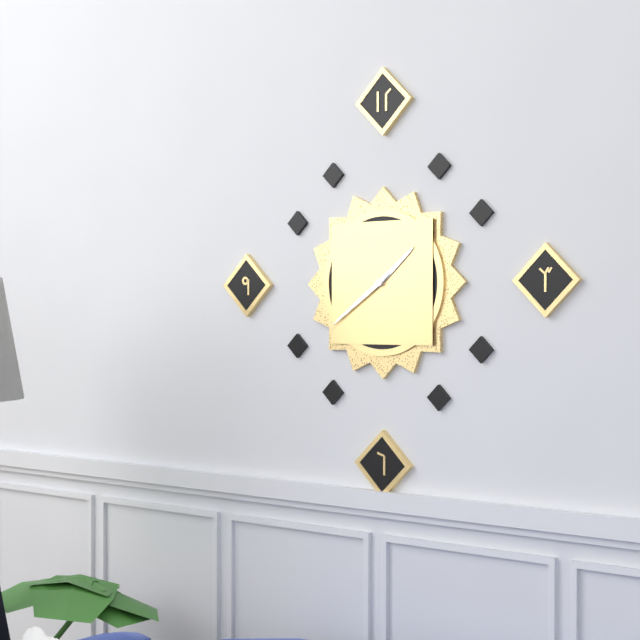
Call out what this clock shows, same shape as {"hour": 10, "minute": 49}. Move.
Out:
{"hour": 1, "minute": 39}
